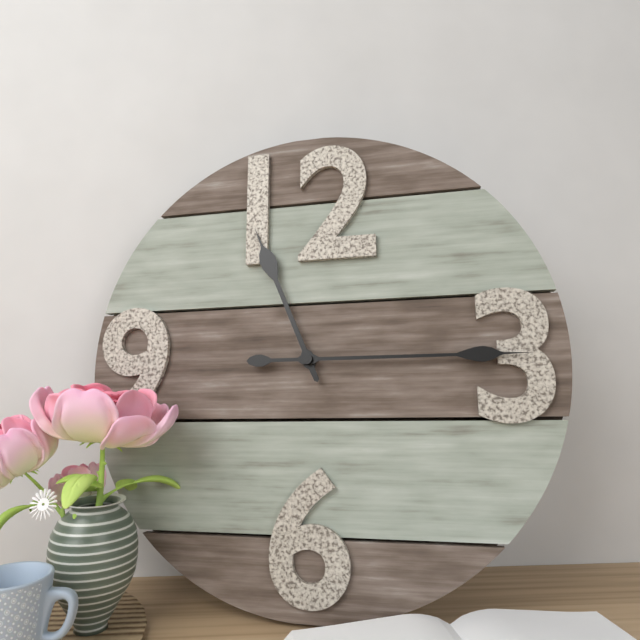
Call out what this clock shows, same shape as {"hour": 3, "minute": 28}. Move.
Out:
{"hour": 11, "minute": 15}
